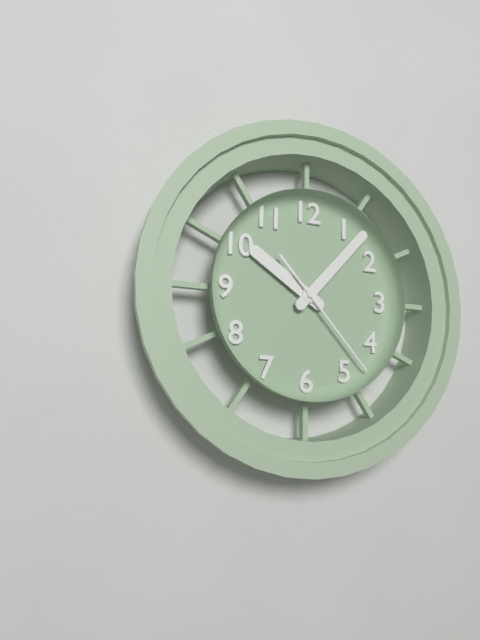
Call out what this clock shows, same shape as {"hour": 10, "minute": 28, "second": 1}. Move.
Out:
{"hour": 10, "minute": 7, "second": 23}
